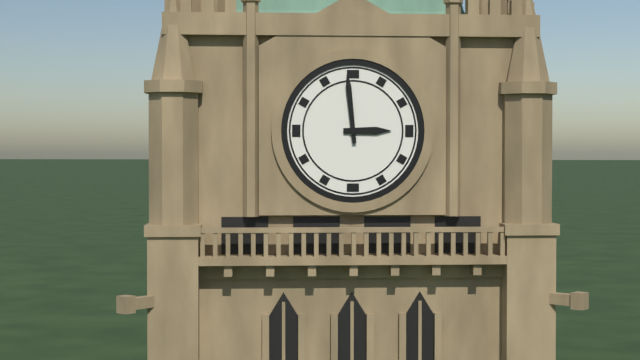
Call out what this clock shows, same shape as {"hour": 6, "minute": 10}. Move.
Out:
{"hour": 2, "minute": 59}
